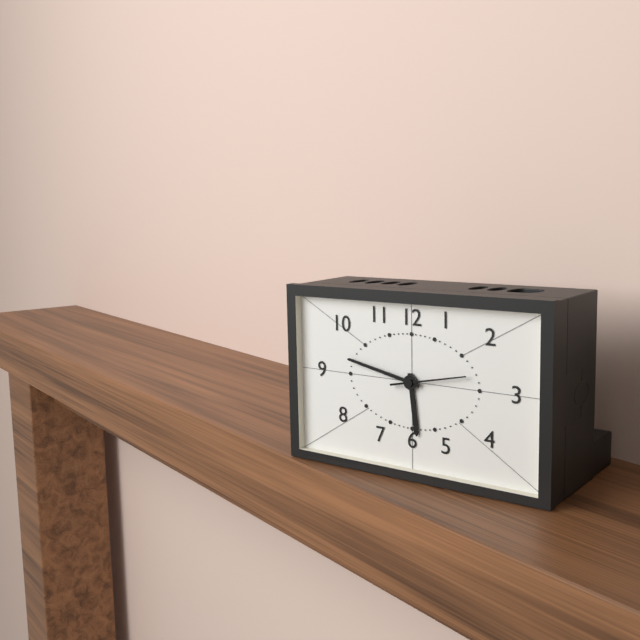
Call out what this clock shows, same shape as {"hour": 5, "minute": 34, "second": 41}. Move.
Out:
{"hour": 5, "minute": 47, "second": 13}
